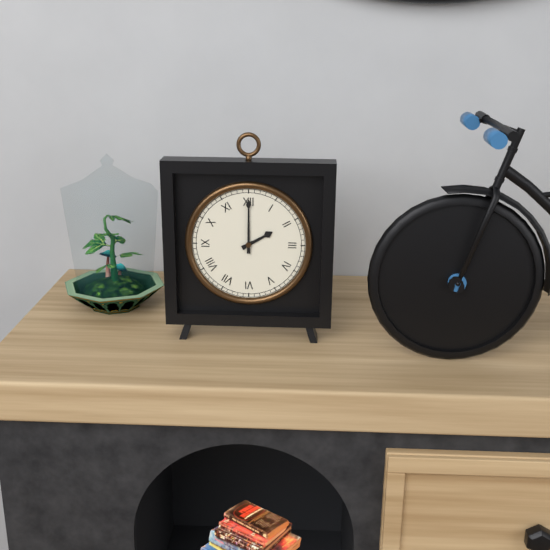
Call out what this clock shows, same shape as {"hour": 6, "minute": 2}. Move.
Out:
{"hour": 2, "minute": 0}
